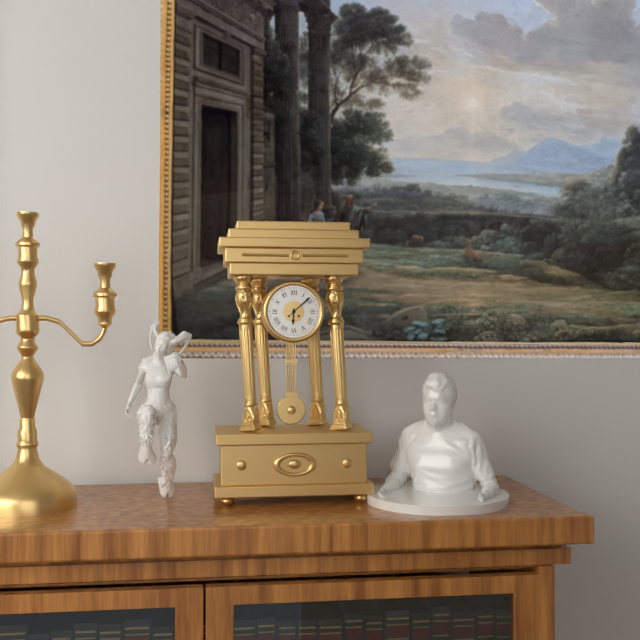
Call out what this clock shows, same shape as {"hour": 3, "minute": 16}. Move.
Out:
{"hour": 6, "minute": 8}
